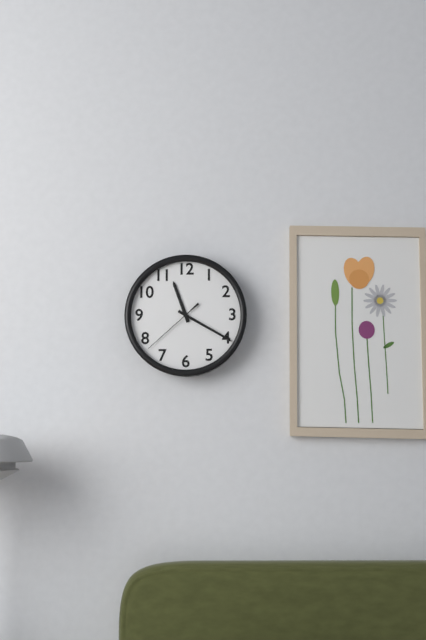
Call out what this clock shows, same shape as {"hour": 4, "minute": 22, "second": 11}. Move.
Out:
{"hour": 11, "minute": 20, "second": 38}
